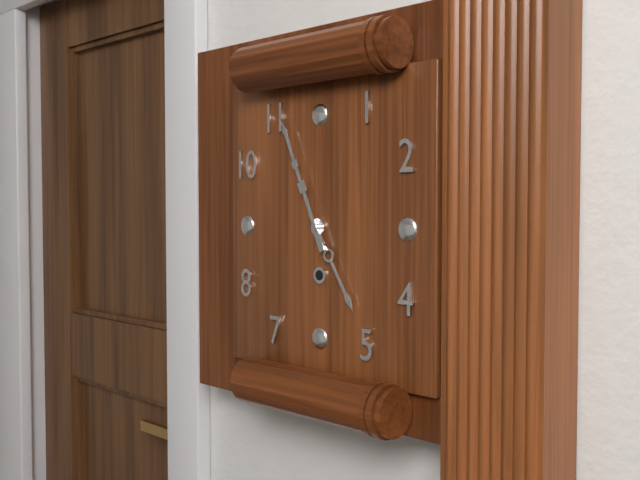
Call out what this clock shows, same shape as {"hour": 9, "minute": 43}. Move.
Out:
{"hour": 4, "minute": 56}
